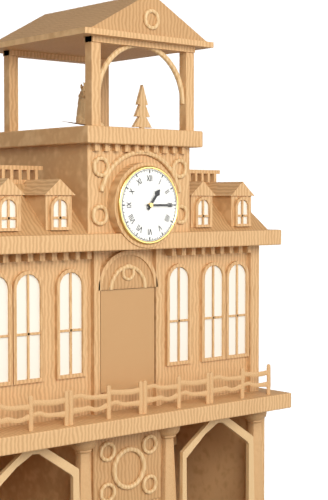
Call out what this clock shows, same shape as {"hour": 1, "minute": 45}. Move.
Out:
{"hour": 1, "minute": 15}
